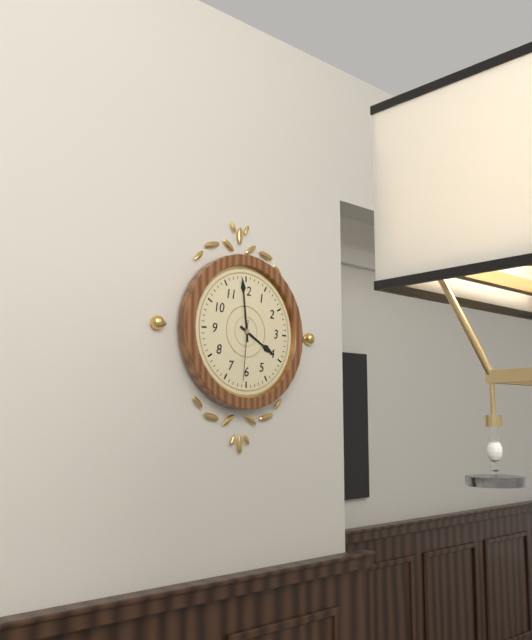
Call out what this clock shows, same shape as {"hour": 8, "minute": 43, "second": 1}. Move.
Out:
{"hour": 3, "minute": 59, "second": 31}
